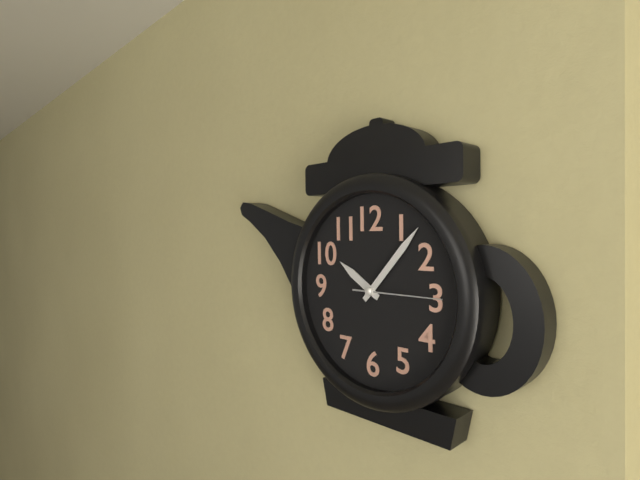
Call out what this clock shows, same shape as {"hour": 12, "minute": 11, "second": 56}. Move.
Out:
{"hour": 10, "minute": 7, "second": 15}
